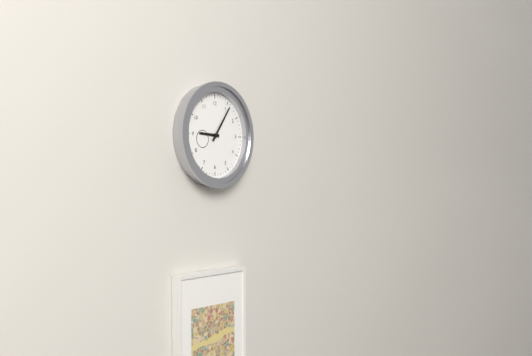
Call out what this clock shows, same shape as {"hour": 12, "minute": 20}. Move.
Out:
{"hour": 9, "minute": 6}
